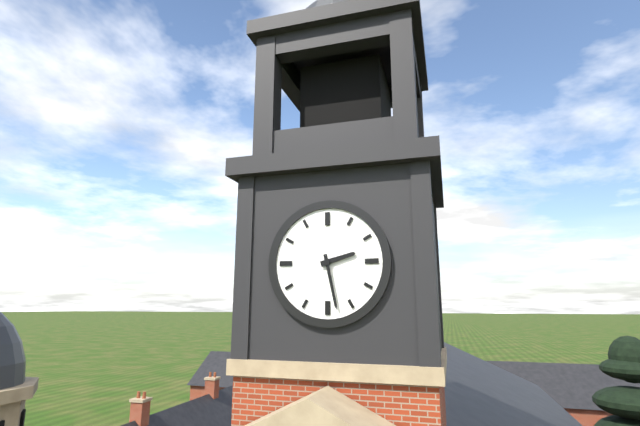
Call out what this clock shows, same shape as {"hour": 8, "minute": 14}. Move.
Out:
{"hour": 2, "minute": 28}
